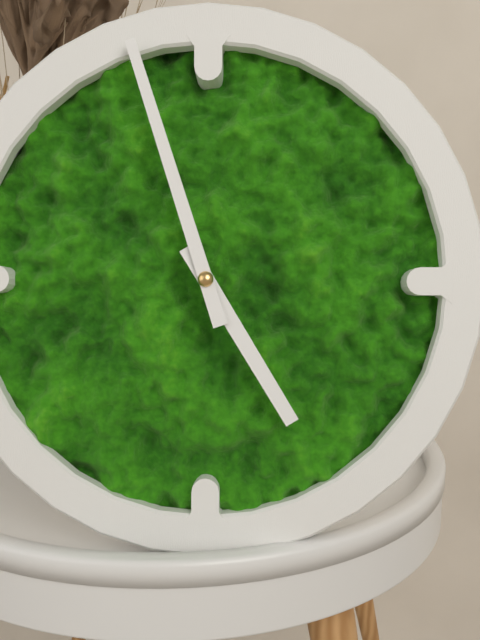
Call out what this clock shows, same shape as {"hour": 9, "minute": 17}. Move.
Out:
{"hour": 4, "minute": 57}
